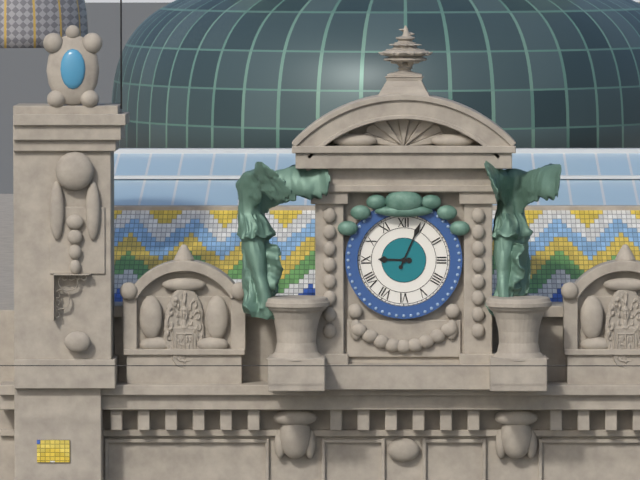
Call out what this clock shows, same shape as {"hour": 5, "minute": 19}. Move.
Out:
{"hour": 9, "minute": 4}
